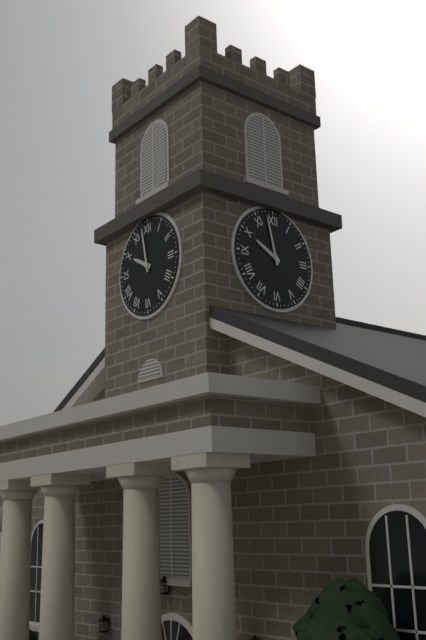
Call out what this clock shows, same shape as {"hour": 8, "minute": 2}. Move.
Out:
{"hour": 9, "minute": 58}
